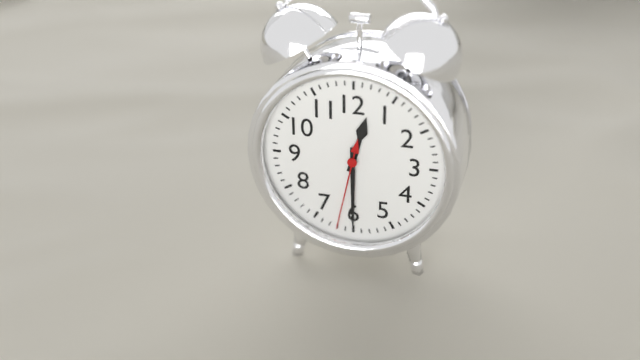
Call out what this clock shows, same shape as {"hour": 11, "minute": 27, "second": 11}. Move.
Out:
{"hour": 12, "minute": 30, "second": 32}
